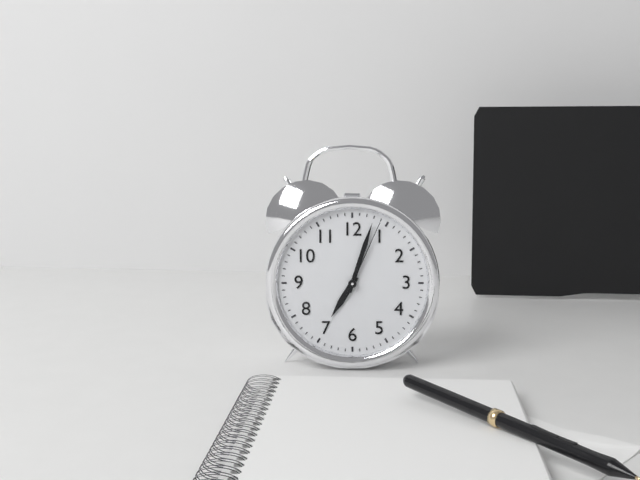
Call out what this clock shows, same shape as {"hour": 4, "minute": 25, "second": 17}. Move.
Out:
{"hour": 7, "minute": 3, "second": 4}
